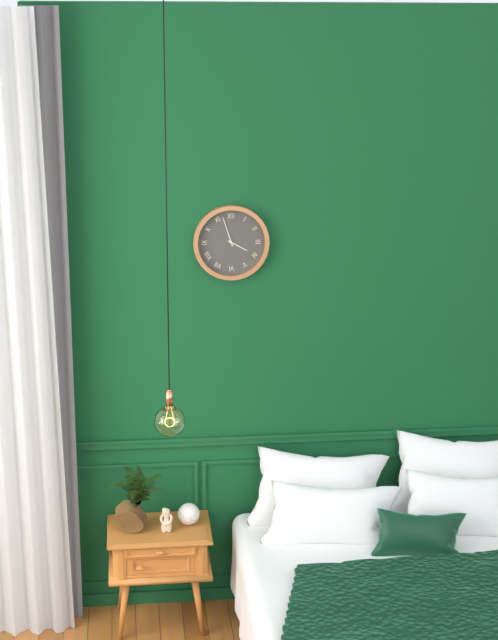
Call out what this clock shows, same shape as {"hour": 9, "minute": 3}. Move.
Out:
{"hour": 3, "minute": 57}
